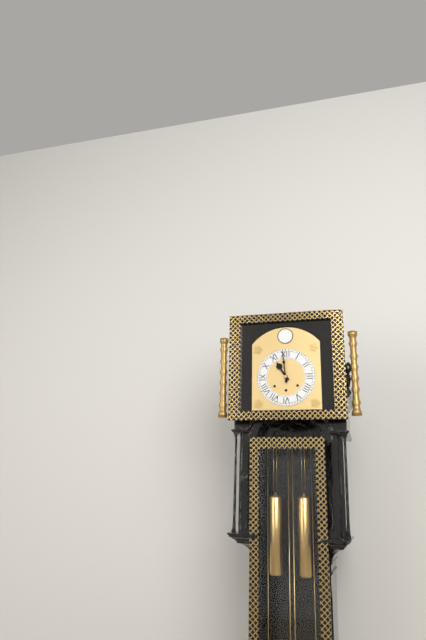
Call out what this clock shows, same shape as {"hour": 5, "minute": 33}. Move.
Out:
{"hour": 10, "minute": 59}
